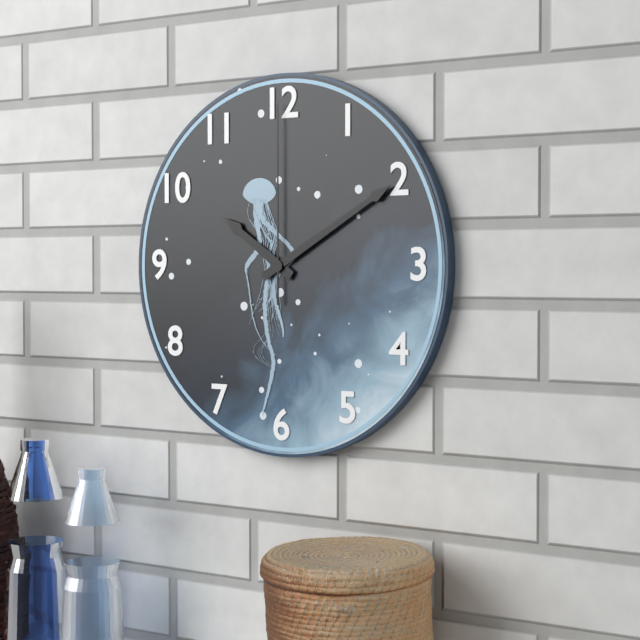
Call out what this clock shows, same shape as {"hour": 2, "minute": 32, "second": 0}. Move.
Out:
{"hour": 10, "minute": 10, "second": 0}
